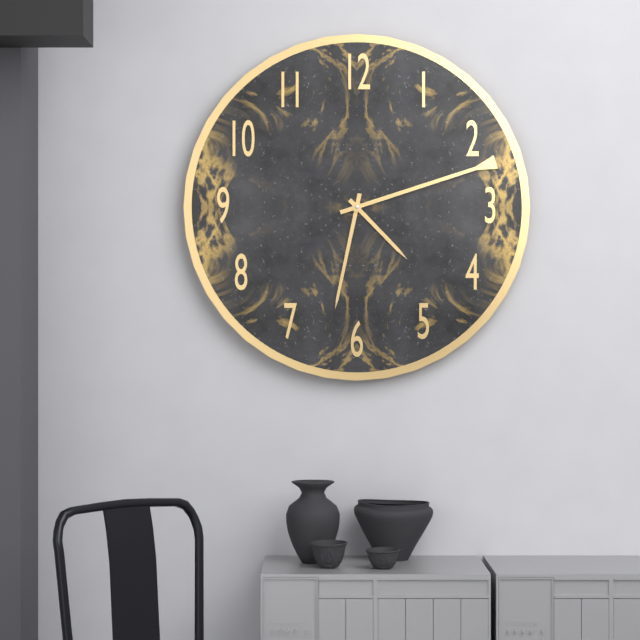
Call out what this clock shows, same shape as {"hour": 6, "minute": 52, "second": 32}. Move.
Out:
{"hour": 4, "minute": 32, "second": 12}
